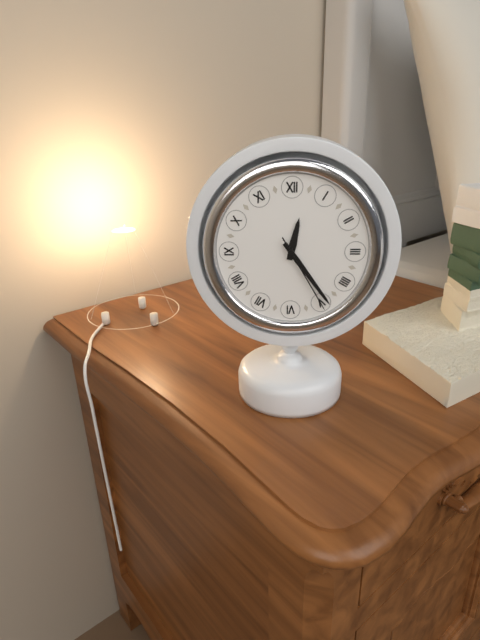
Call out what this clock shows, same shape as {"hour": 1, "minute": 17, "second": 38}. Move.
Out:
{"hour": 12, "minute": 24, "second": 25}
